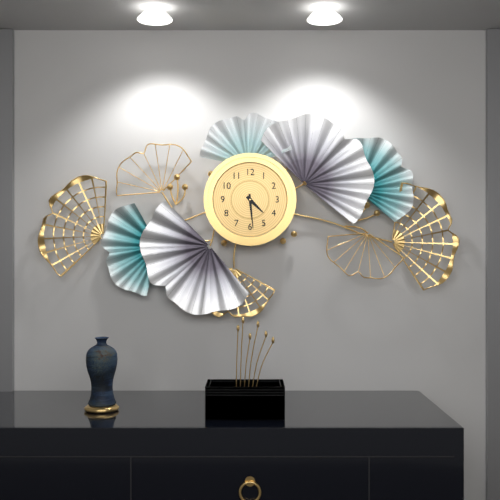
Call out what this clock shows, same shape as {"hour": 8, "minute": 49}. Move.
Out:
{"hour": 4, "minute": 29}
